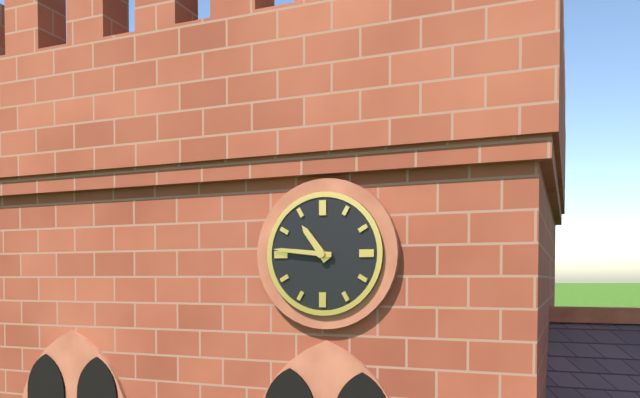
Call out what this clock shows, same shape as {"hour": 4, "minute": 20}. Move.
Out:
{"hour": 10, "minute": 46}
